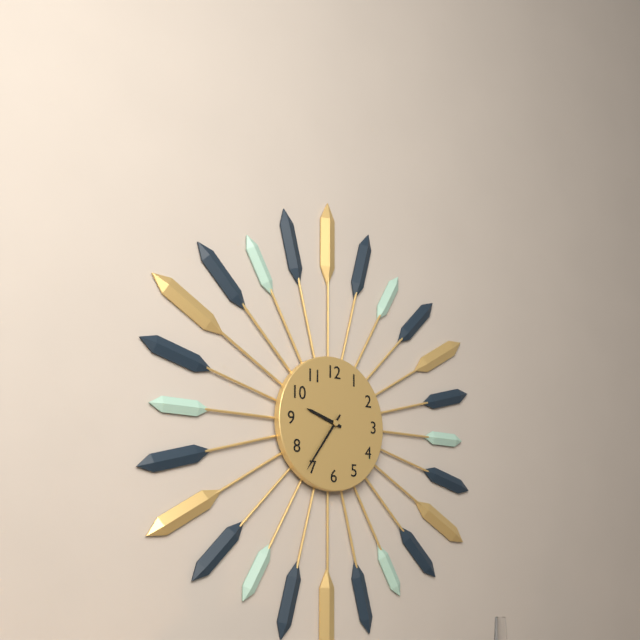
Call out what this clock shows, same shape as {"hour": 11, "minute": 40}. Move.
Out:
{"hour": 9, "minute": 36}
